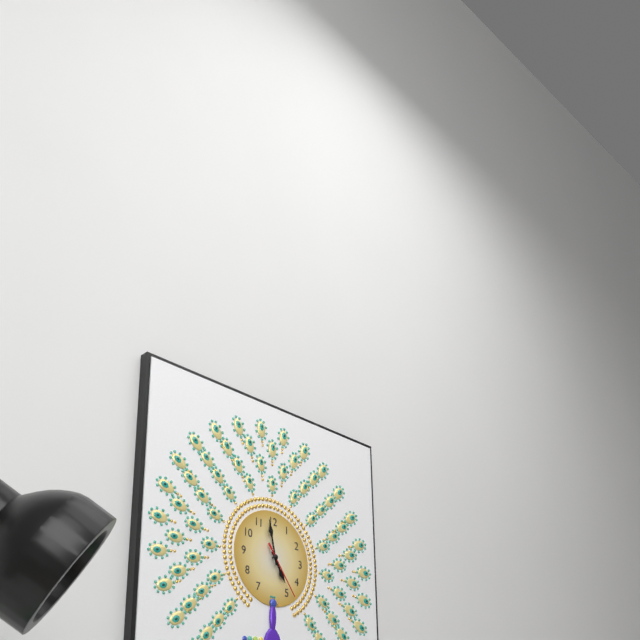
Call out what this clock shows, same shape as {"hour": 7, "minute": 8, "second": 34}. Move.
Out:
{"hour": 4, "minute": 58, "second": 24}
